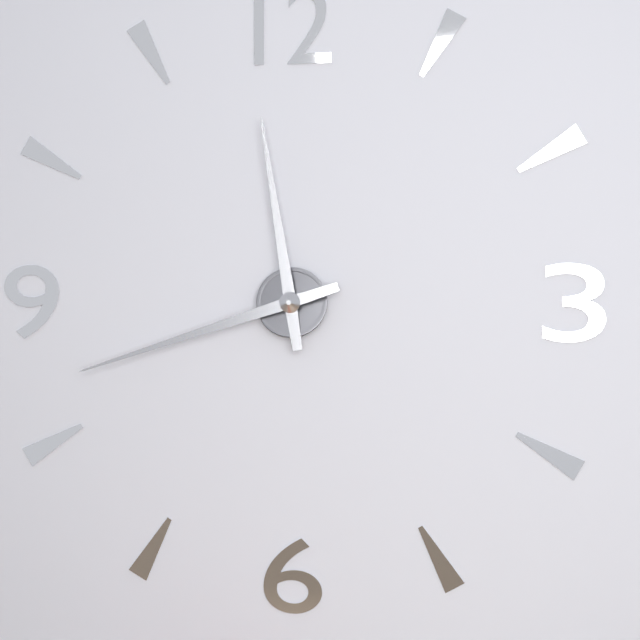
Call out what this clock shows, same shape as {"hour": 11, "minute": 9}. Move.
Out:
{"hour": 11, "minute": 42}
